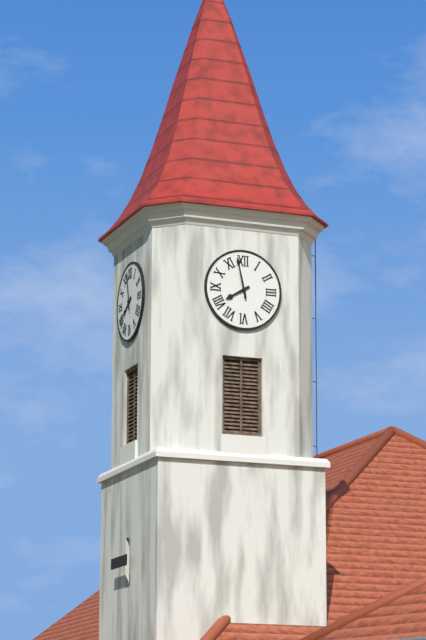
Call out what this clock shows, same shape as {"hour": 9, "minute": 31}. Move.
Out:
{"hour": 7, "minute": 58}
